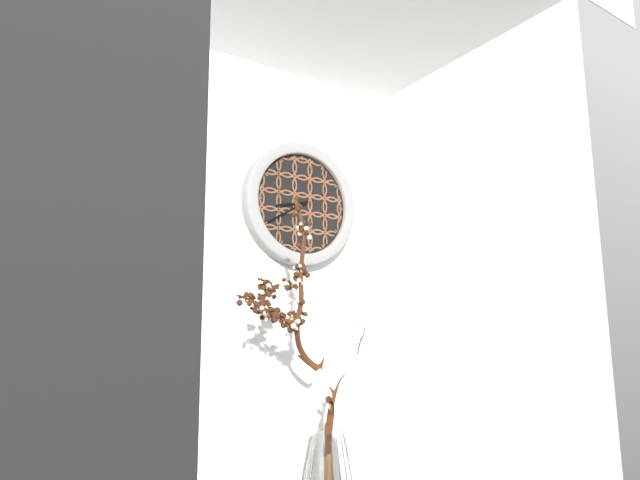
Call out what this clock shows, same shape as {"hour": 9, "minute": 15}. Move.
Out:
{"hour": 8, "minute": 40}
